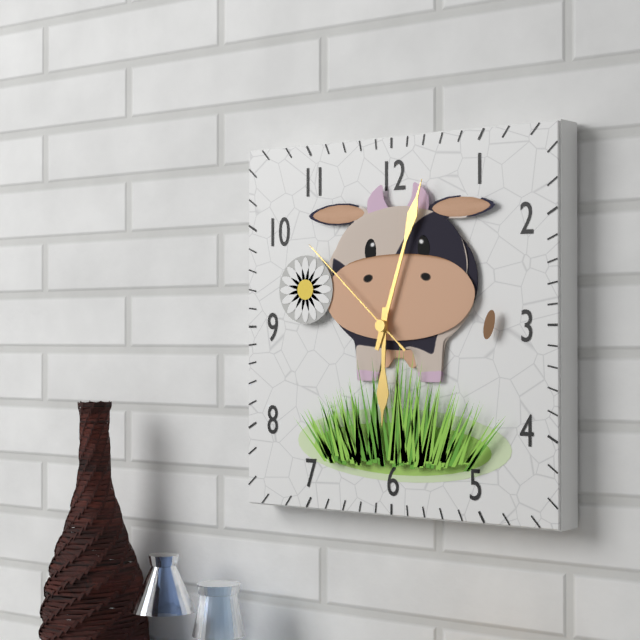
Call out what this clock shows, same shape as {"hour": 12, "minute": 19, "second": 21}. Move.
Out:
{"hour": 6, "minute": 3, "second": 52}
